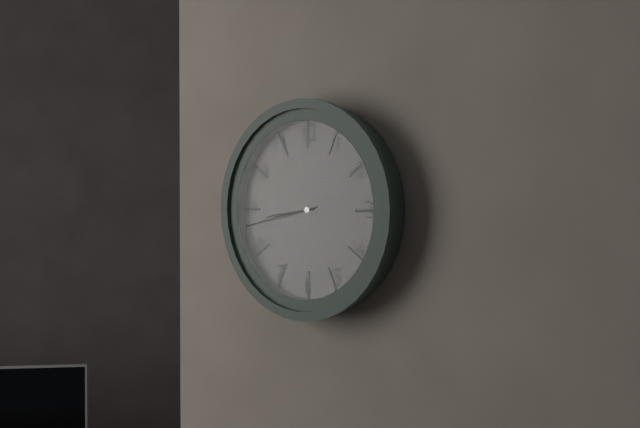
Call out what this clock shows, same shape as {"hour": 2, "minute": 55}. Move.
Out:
{"hour": 8, "minute": 43}
